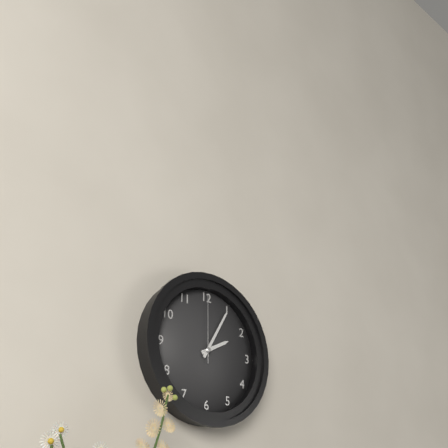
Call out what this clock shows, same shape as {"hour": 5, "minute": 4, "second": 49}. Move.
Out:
{"hour": 2, "minute": 5, "second": 0}
